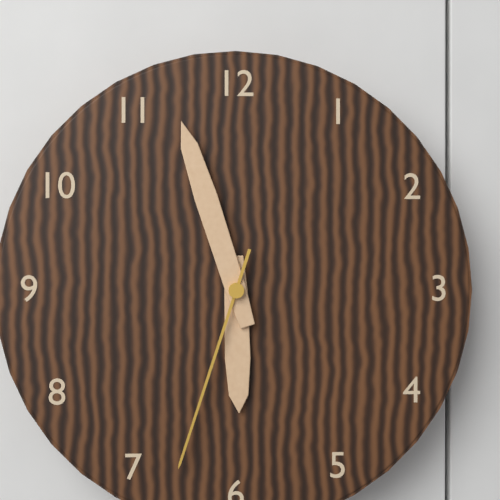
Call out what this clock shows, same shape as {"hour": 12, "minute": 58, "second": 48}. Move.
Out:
{"hour": 5, "minute": 57, "second": 33}
